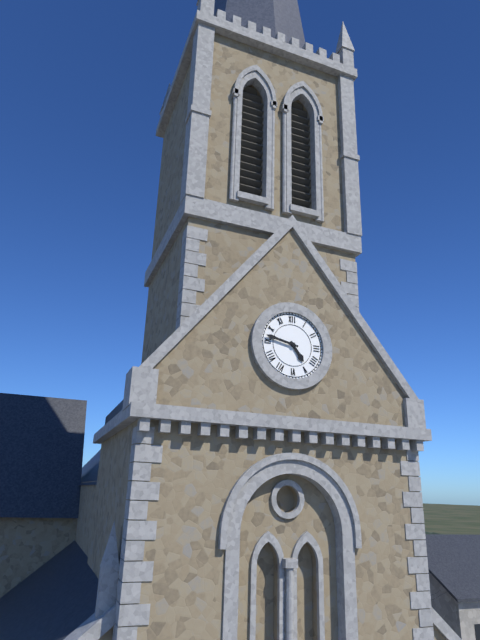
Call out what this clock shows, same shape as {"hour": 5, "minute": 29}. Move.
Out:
{"hour": 4, "minute": 47}
